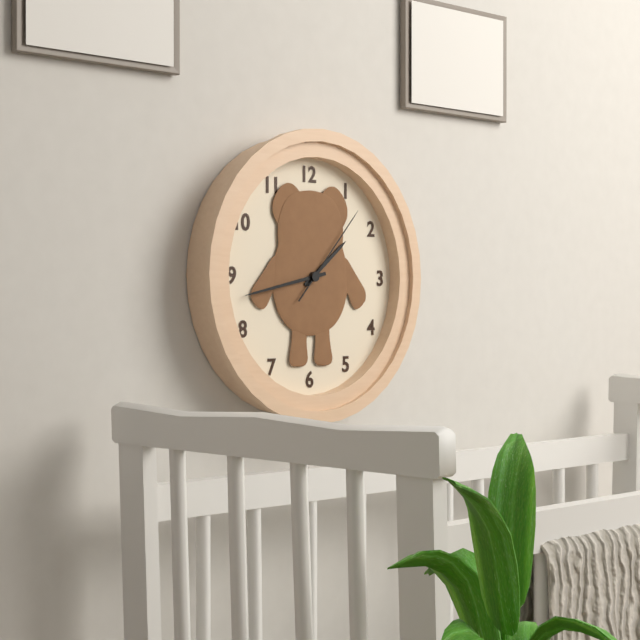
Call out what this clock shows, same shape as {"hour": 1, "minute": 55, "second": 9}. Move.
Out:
{"hour": 1, "minute": 43, "second": 7}
